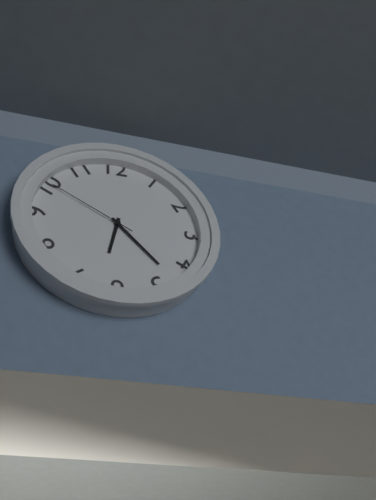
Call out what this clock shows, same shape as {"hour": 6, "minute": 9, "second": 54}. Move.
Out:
{"hour": 6, "minute": 23, "second": 50}
